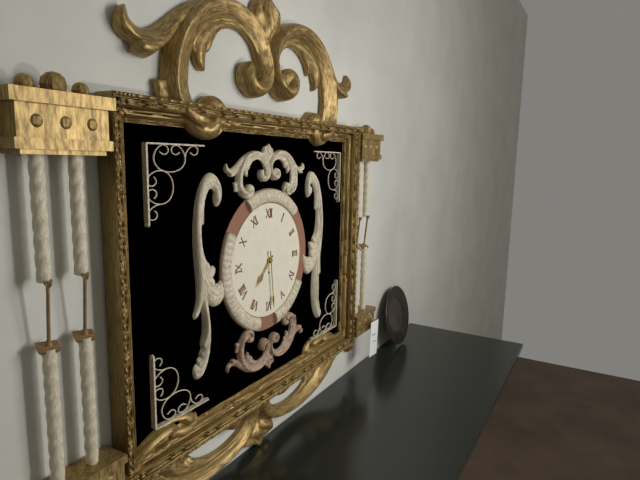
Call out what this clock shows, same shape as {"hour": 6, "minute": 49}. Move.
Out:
{"hour": 7, "minute": 29}
